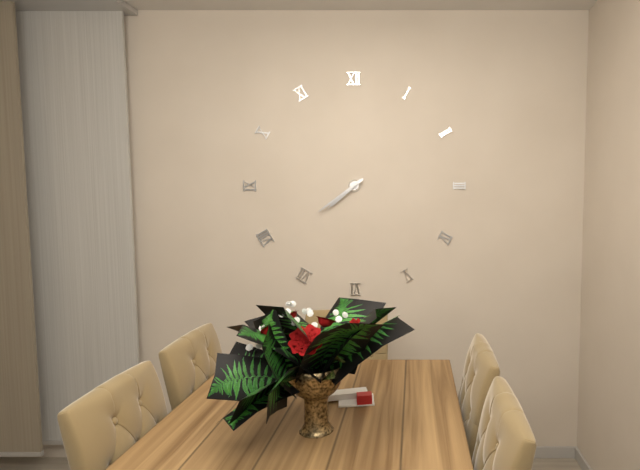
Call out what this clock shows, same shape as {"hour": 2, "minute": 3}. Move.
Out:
{"hour": 7, "minute": 39}
